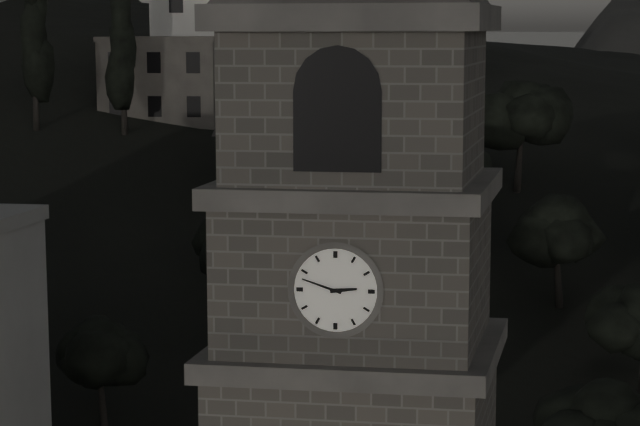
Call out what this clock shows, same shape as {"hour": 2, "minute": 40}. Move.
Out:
{"hour": 2, "minute": 48}
